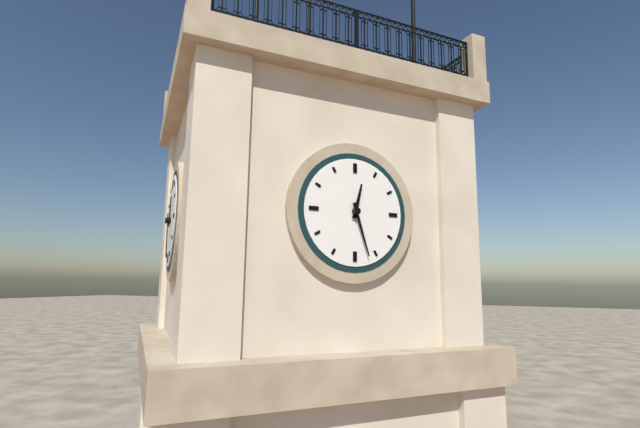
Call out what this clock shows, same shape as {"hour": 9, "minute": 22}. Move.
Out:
{"hour": 12, "minute": 27}
